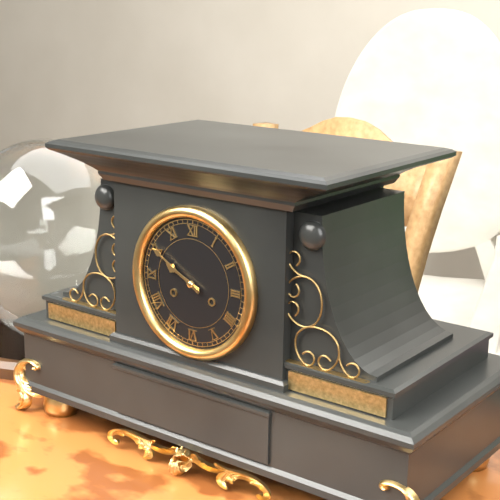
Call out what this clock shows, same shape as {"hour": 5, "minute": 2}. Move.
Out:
{"hour": 9, "minute": 50}
